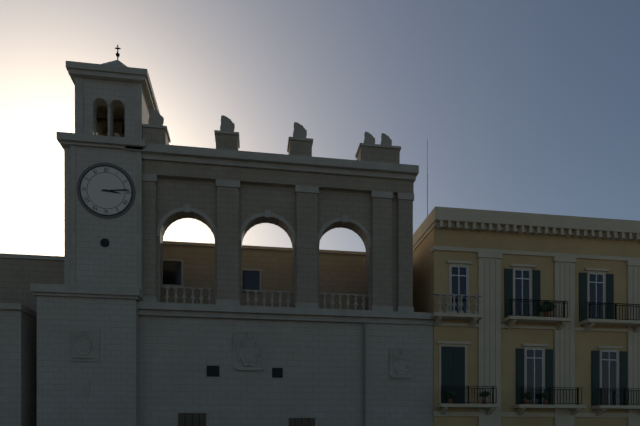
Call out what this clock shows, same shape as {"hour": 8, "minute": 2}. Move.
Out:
{"hour": 3, "minute": 14}
